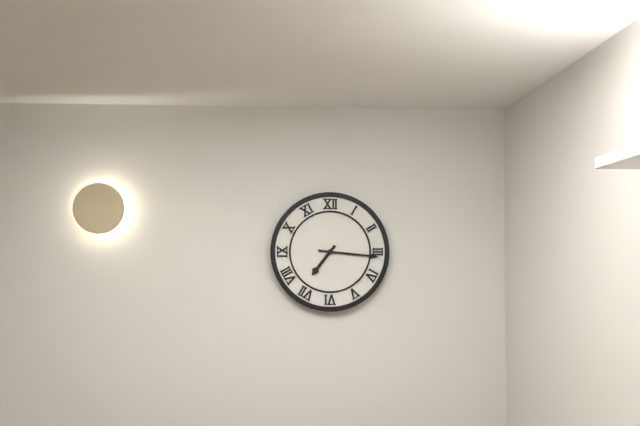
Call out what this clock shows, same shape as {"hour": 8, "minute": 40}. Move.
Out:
{"hour": 7, "minute": 16}
